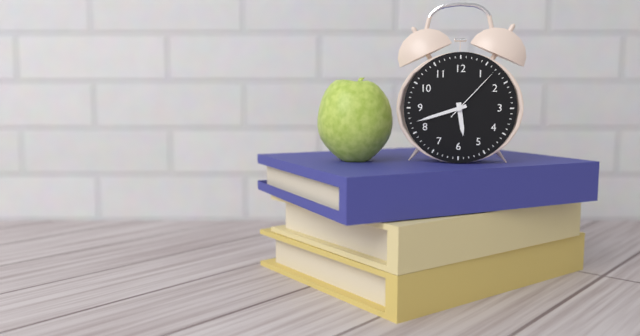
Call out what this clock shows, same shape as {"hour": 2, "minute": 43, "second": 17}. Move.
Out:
{"hour": 5, "minute": 42, "second": 7}
